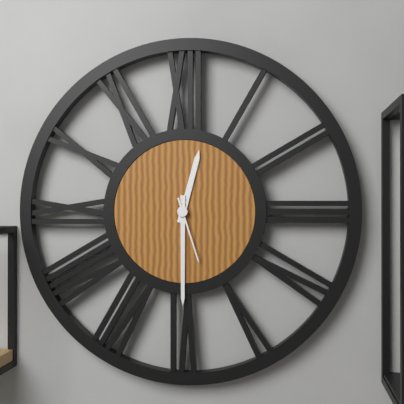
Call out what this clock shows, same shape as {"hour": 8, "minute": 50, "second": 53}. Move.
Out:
{"hour": 12, "minute": 30, "second": 27}
